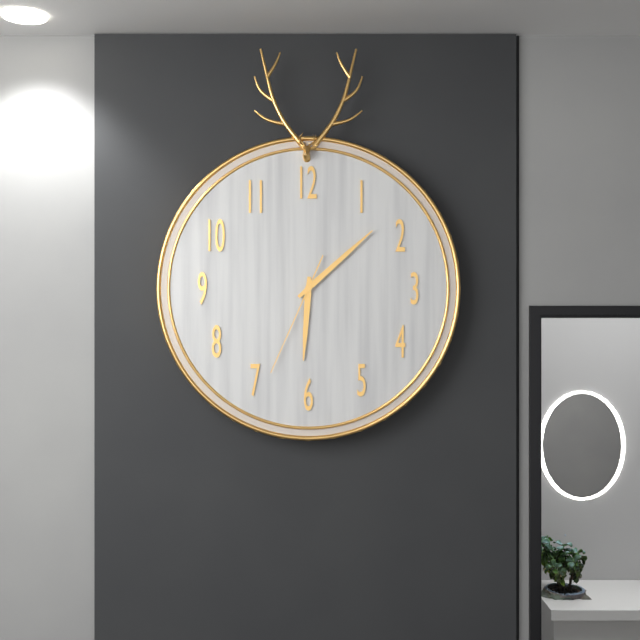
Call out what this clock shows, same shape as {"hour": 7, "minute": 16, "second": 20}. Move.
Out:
{"hour": 6, "minute": 8, "second": 34}
